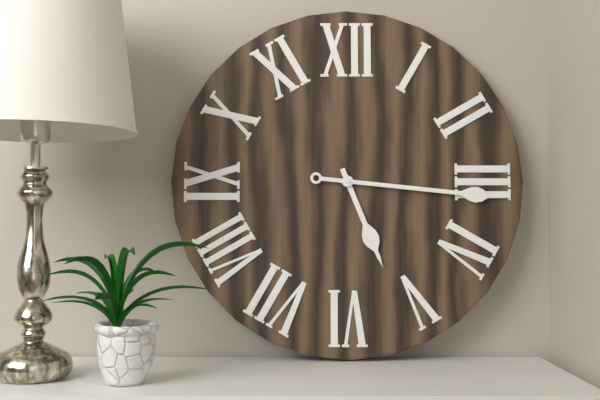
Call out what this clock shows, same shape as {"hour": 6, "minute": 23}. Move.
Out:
{"hour": 5, "minute": 16}
